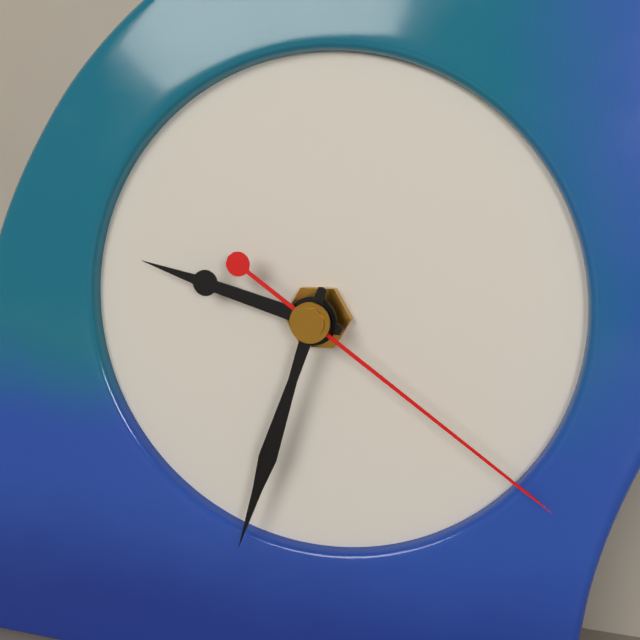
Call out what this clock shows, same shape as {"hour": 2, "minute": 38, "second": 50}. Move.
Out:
{"hour": 9, "minute": 33, "second": 21}
